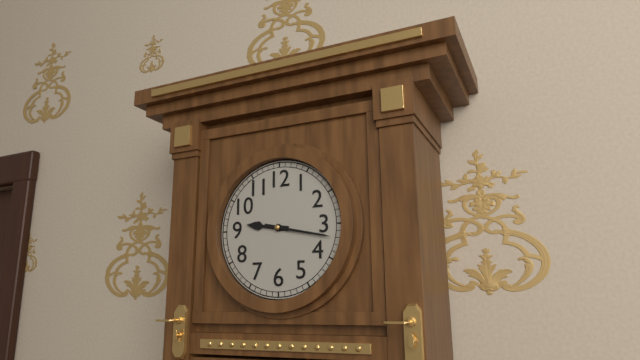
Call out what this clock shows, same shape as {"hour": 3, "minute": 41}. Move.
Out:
{"hour": 9, "minute": 17}
